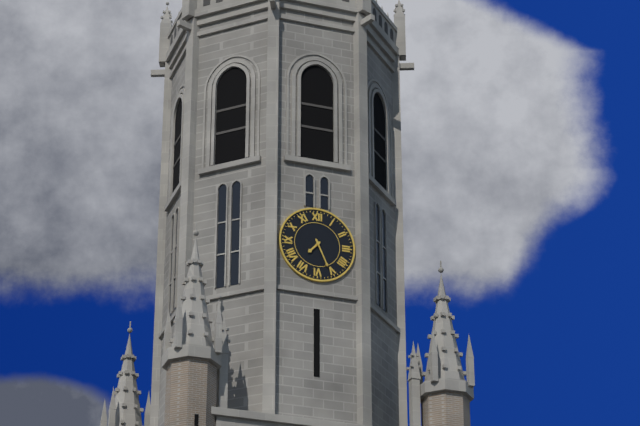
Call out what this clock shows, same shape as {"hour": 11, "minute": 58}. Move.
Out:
{"hour": 7, "minute": 26}
